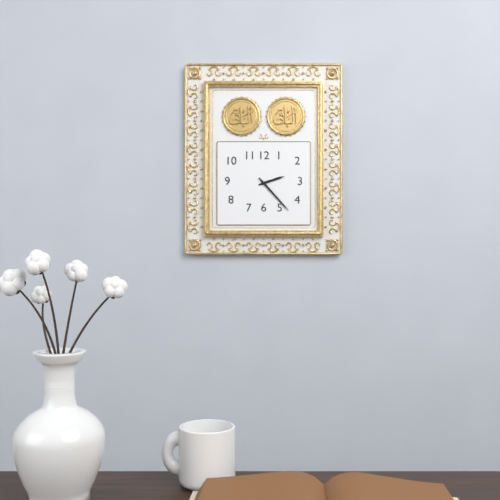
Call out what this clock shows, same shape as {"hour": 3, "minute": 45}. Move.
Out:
{"hour": 2, "minute": 23}
